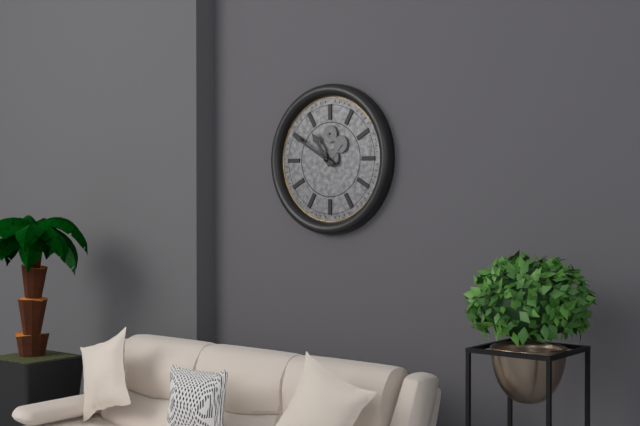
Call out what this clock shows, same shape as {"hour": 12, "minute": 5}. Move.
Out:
{"hour": 10, "minute": 50}
